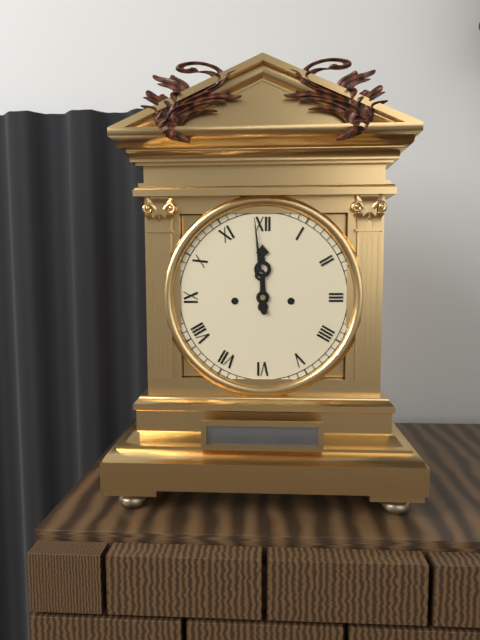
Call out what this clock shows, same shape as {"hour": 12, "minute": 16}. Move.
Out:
{"hour": 11, "minute": 59}
